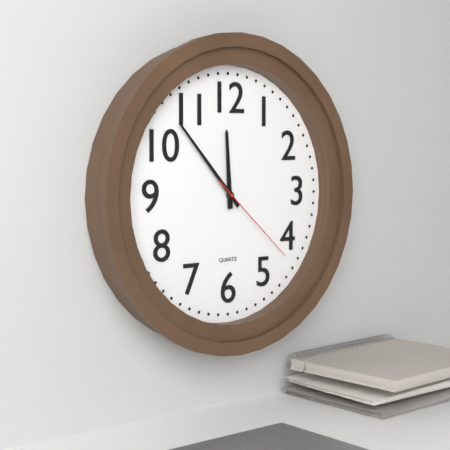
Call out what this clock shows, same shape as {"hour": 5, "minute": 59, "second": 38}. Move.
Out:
{"hour": 11, "minute": 53, "second": 22}
